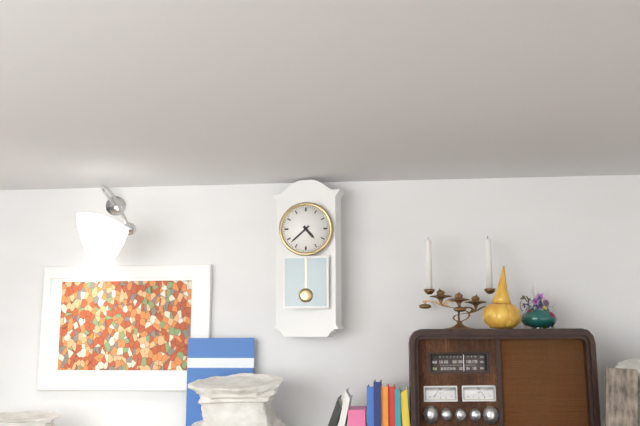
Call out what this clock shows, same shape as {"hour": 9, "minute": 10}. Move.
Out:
{"hour": 4, "minute": 38}
